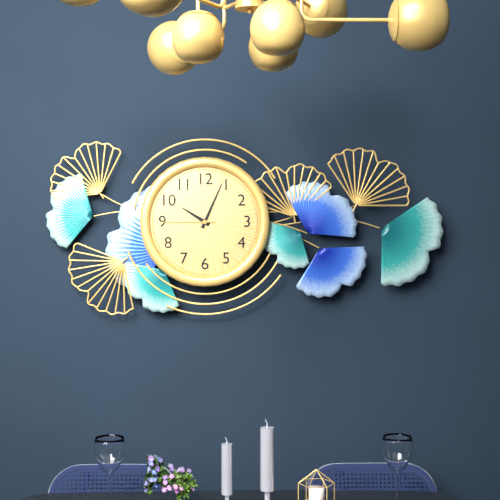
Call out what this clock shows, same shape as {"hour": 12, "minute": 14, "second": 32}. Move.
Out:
{"hour": 10, "minute": 4, "second": 45}
